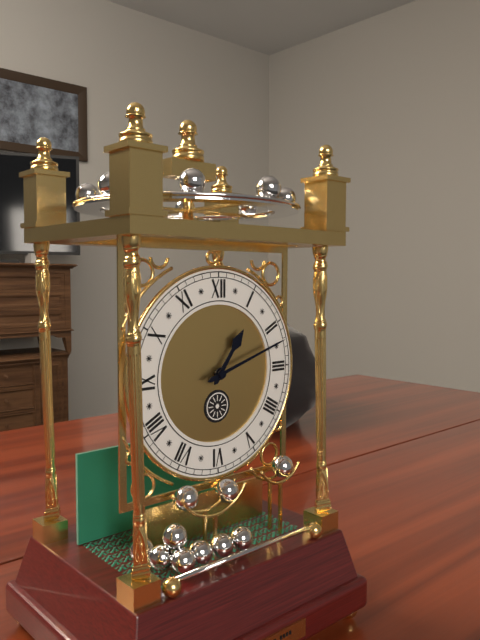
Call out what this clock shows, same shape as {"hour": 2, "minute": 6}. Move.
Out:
{"hour": 1, "minute": 12}
